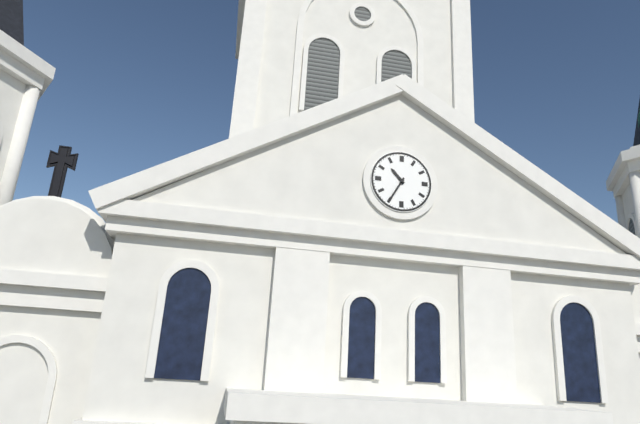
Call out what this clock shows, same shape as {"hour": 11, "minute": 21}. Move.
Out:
{"hour": 10, "minute": 35}
